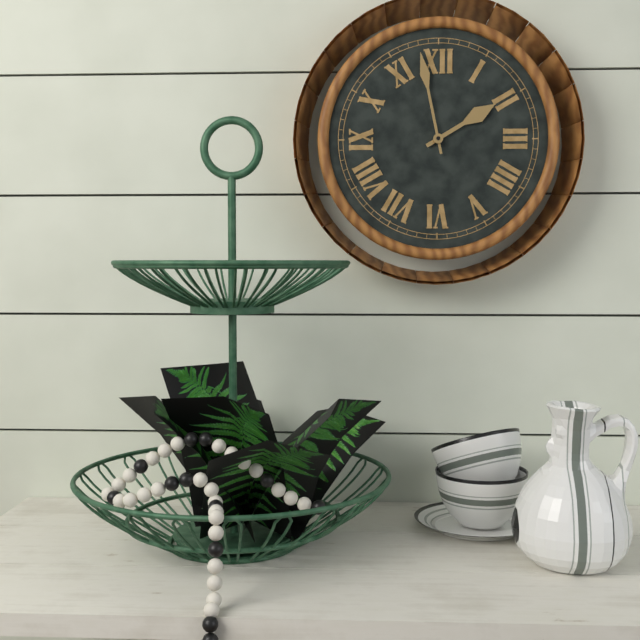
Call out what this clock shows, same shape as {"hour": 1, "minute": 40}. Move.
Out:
{"hour": 1, "minute": 58}
